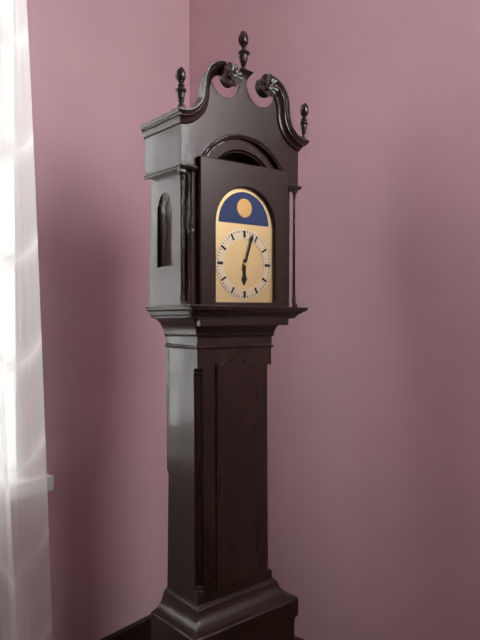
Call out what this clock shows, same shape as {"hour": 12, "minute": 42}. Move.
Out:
{"hour": 6, "minute": 3}
